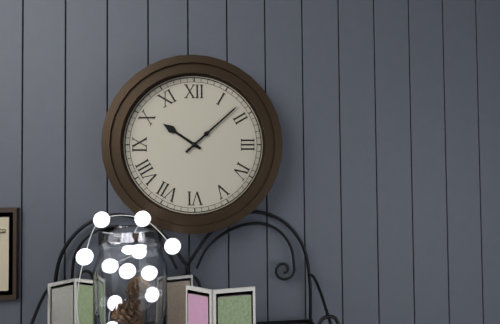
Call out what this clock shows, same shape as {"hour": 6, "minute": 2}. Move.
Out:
{"hour": 10, "minute": 8}
